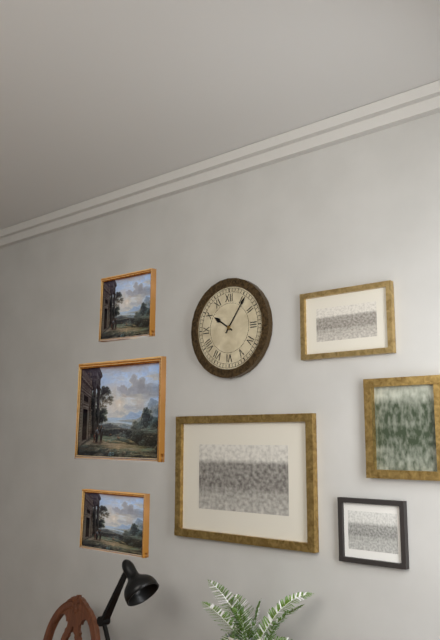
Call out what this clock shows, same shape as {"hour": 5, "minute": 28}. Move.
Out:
{"hour": 10, "minute": 6}
